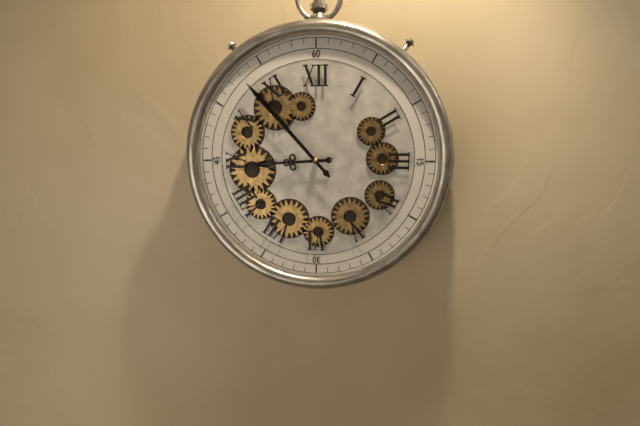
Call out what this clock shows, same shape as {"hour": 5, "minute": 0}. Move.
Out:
{"hour": 8, "minute": 53}
